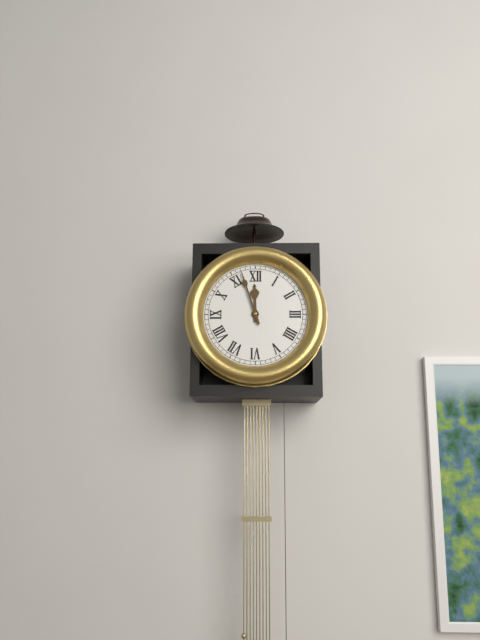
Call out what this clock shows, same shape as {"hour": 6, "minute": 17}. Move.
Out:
{"hour": 11, "minute": 57}
